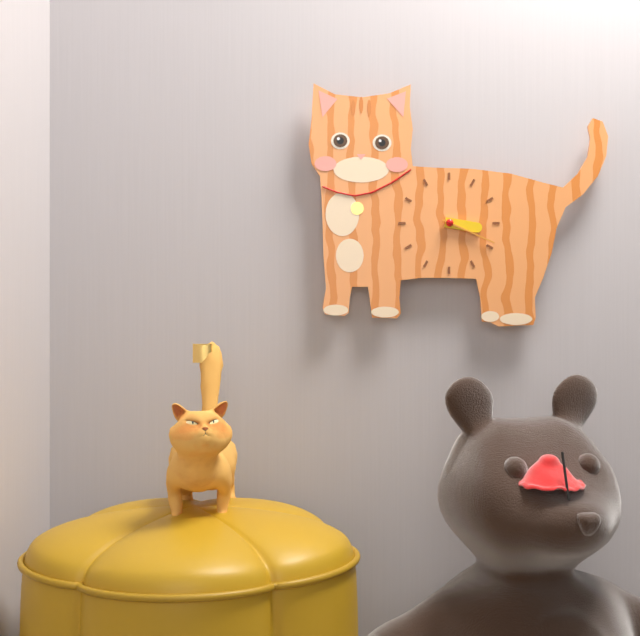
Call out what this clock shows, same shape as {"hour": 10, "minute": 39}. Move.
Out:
{"hour": 3, "minute": 19}
